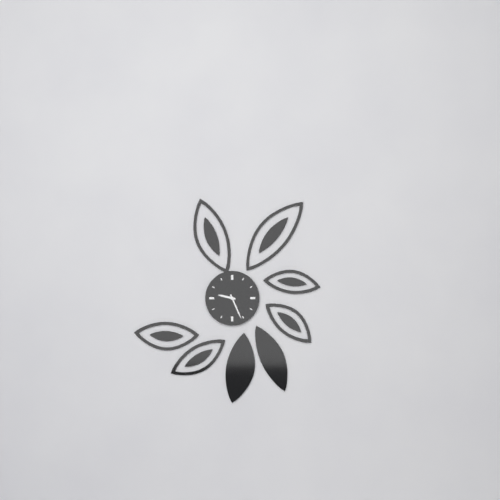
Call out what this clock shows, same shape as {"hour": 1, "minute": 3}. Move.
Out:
{"hour": 9, "minute": 26}
